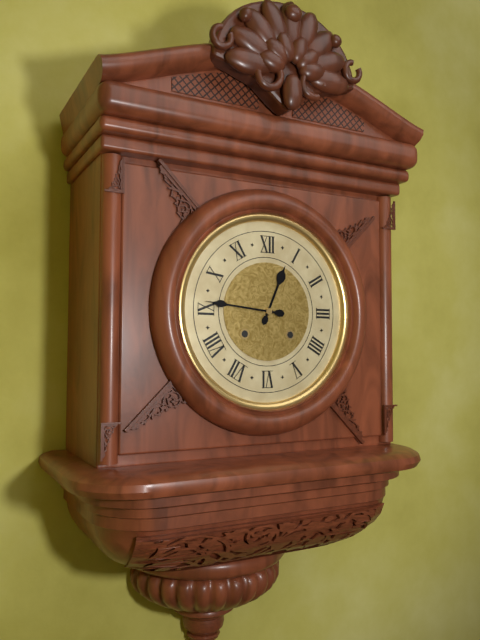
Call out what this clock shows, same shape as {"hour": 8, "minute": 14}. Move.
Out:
{"hour": 12, "minute": 46}
